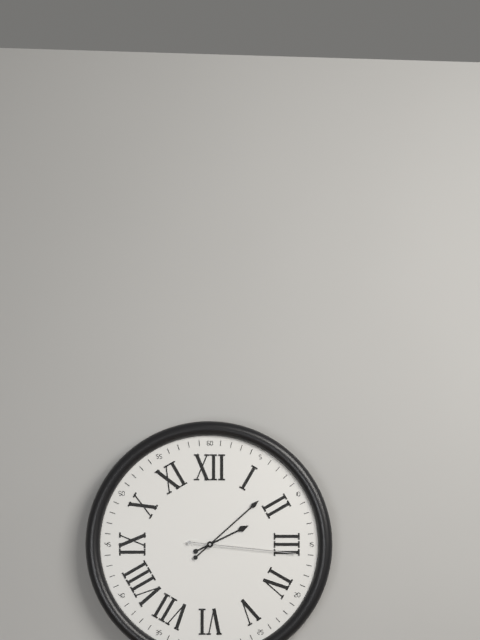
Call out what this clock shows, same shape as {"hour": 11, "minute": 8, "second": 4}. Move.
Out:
{"hour": 2, "minute": 8, "second": 16}
